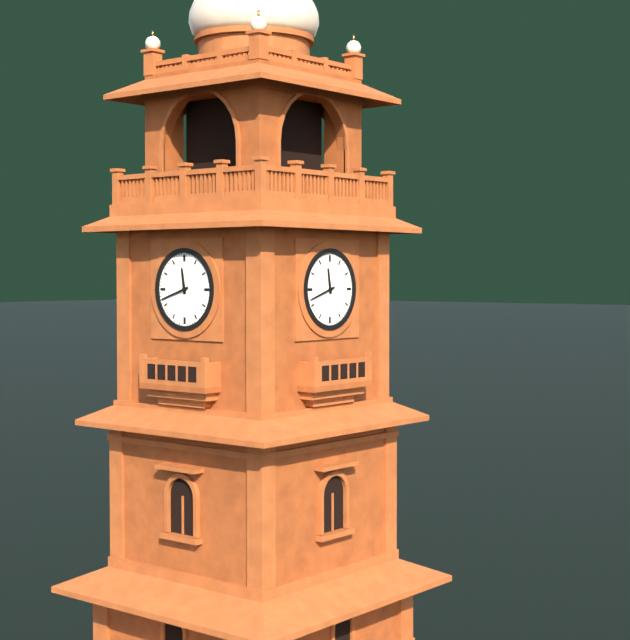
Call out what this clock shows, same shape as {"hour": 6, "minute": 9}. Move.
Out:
{"hour": 11, "minute": 42}
